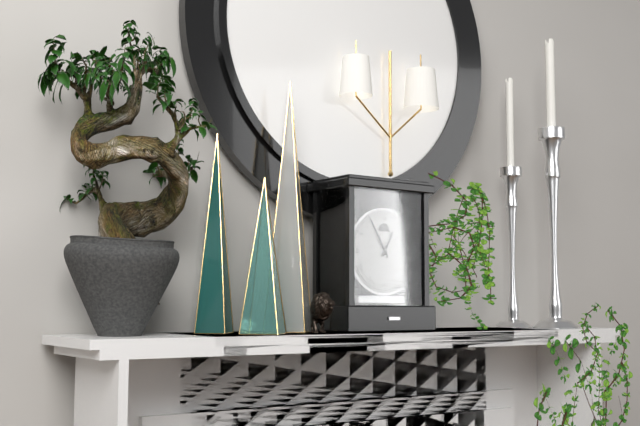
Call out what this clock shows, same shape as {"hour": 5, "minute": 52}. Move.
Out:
{"hour": 12, "minute": 55}
